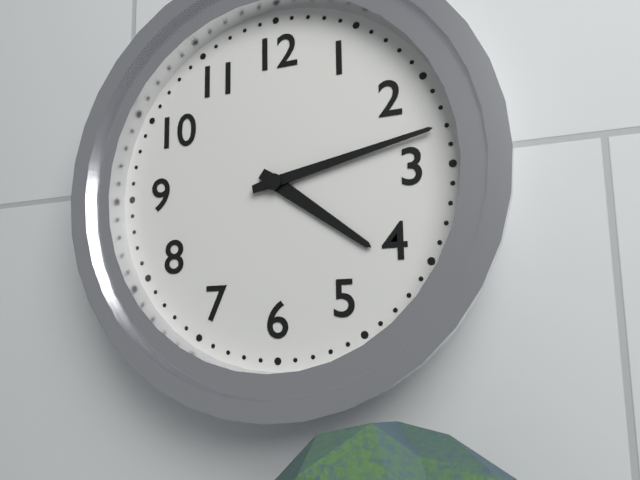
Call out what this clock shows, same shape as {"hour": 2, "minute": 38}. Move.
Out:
{"hour": 4, "minute": 13}
